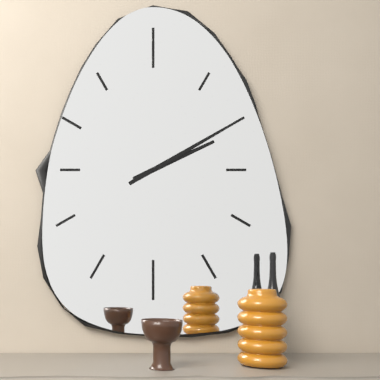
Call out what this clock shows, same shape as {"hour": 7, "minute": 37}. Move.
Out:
{"hour": 2, "minute": 10}
